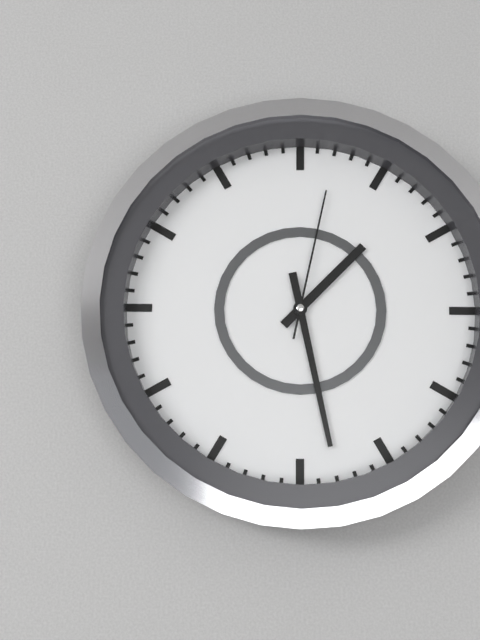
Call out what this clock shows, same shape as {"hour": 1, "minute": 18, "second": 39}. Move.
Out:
{"hour": 1, "minute": 28, "second": 2}
